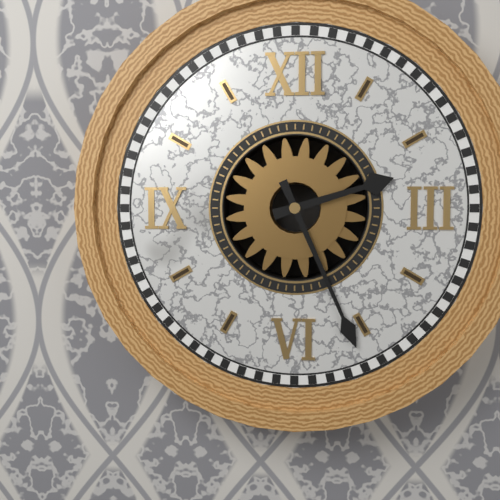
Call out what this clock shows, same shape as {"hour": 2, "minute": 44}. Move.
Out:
{"hour": 2, "minute": 26}
